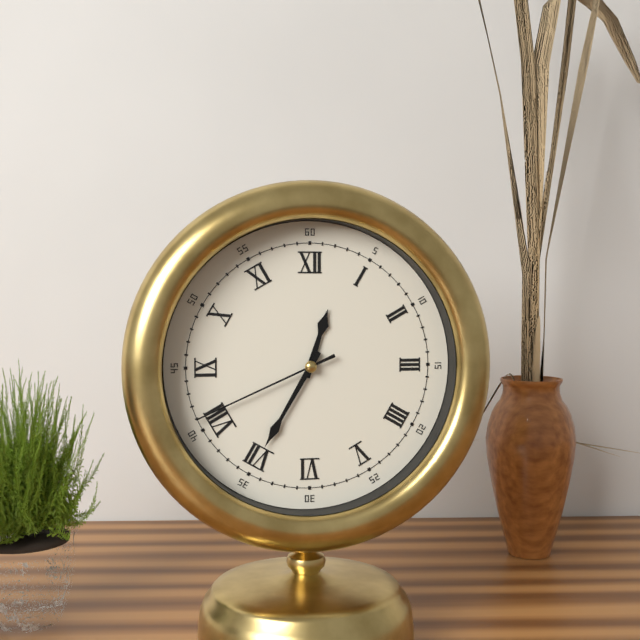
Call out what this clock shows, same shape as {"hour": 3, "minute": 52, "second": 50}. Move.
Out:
{"hour": 12, "minute": 35, "second": 41}
